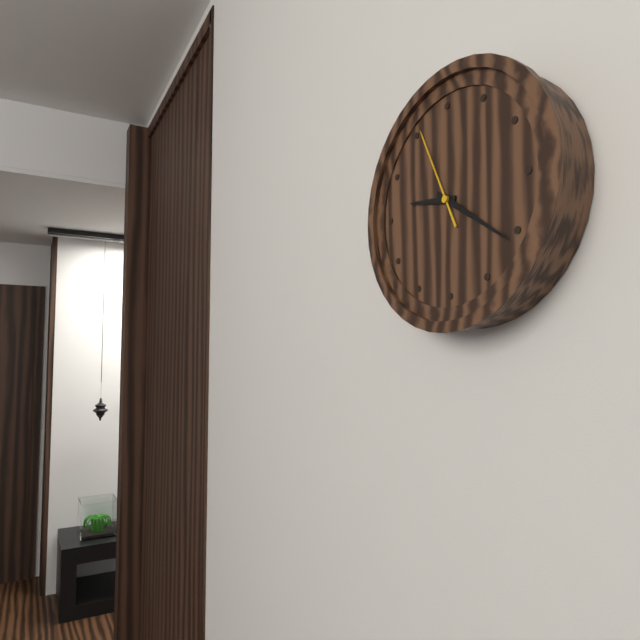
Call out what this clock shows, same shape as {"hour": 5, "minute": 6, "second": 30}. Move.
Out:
{"hour": 9, "minute": 21, "second": 56}
